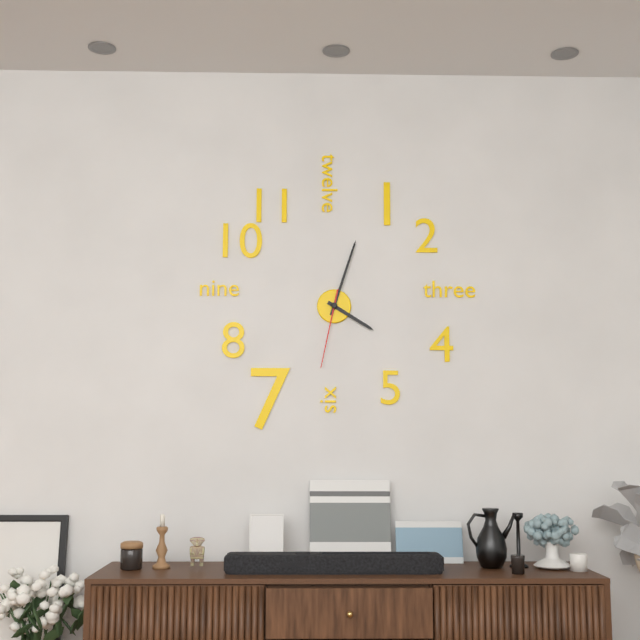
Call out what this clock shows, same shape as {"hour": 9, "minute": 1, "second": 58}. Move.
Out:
{"hour": 4, "minute": 3, "second": 32}
